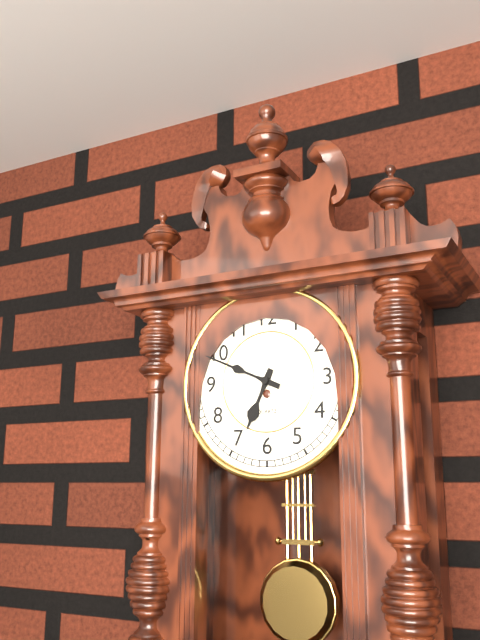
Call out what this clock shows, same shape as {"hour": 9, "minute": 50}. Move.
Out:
{"hour": 6, "minute": 49}
